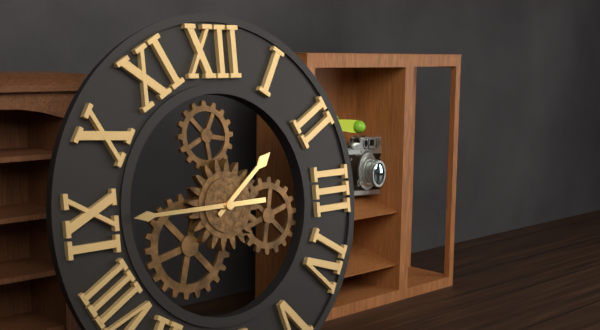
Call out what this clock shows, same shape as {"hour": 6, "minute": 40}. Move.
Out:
{"hour": 1, "minute": 45}
